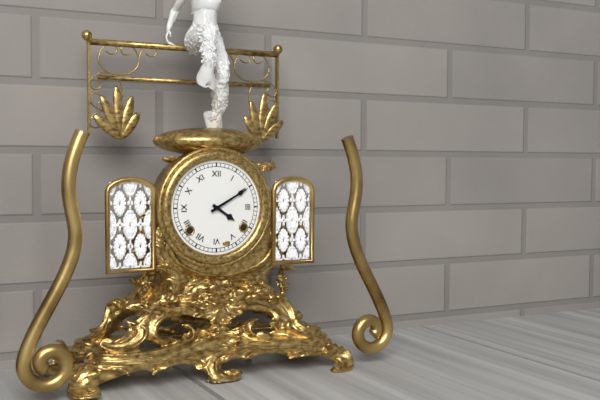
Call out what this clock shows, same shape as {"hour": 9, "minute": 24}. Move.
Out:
{"hour": 4, "minute": 10}
